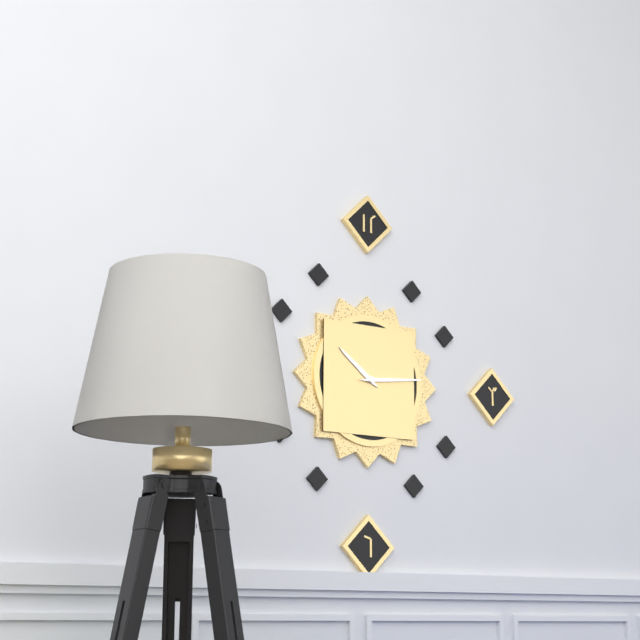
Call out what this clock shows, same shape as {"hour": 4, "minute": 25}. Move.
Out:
{"hour": 10, "minute": 14}
